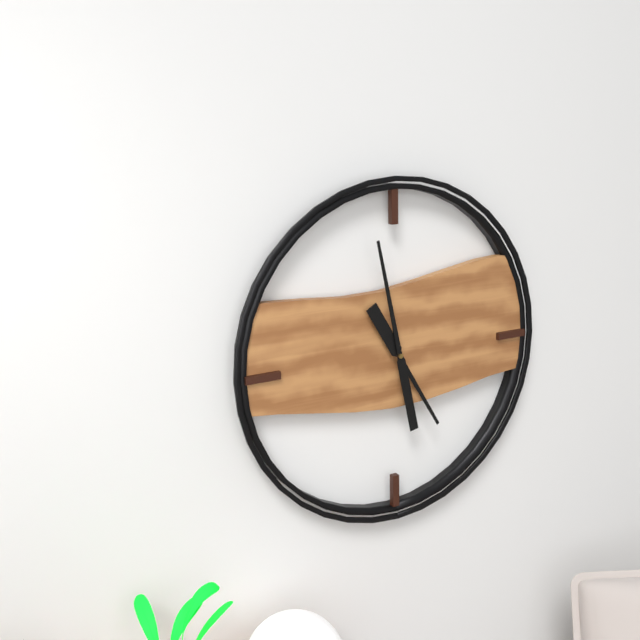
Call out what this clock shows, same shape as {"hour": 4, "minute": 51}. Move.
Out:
{"hour": 4, "minute": 58}
